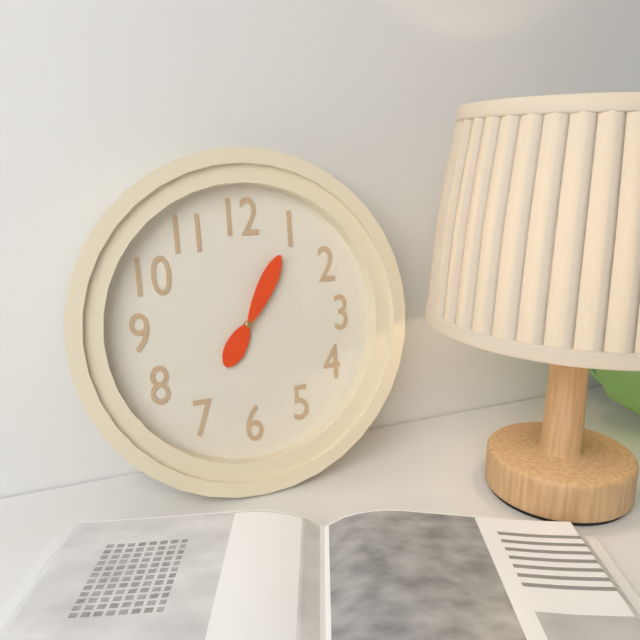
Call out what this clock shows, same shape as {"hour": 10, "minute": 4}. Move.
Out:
{"hour": 7, "minute": 5}
